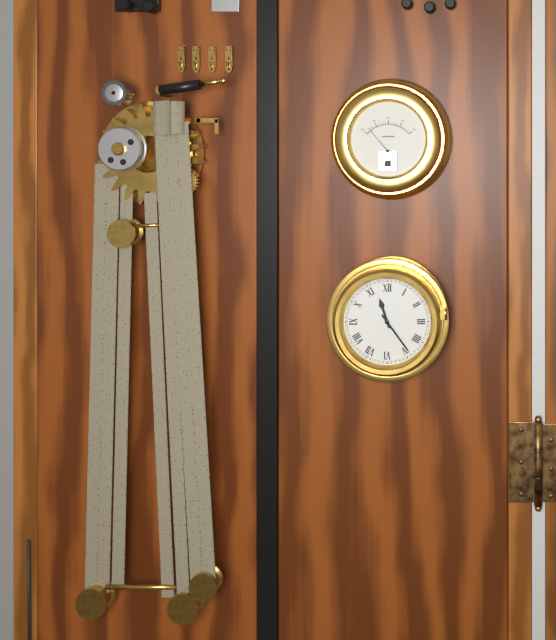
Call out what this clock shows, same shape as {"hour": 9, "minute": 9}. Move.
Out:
{"hour": 11, "minute": 24}
